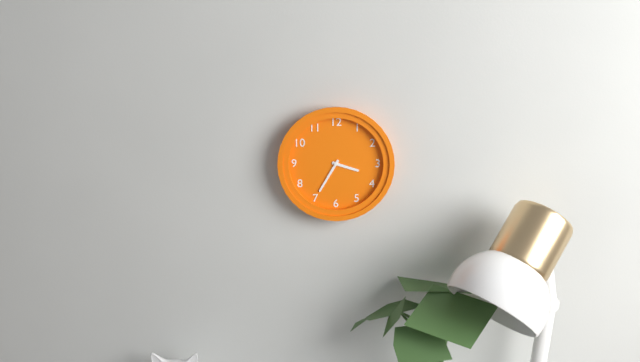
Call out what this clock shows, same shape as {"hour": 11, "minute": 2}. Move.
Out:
{"hour": 3, "minute": 35}
